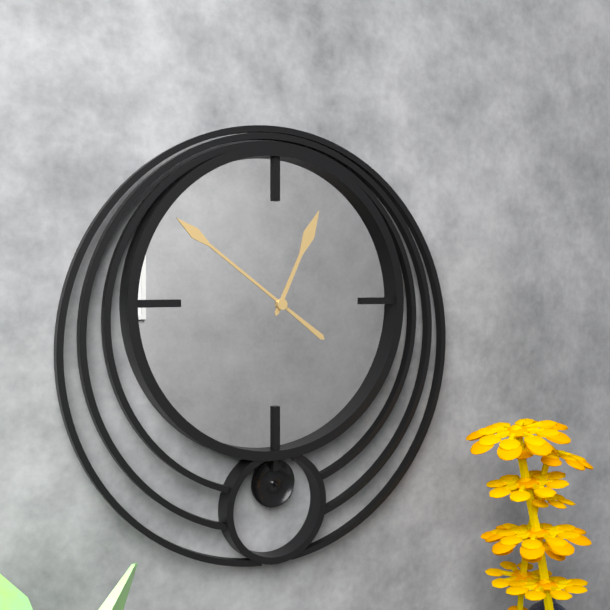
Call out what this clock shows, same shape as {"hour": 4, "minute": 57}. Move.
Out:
{"hour": 12, "minute": 51}
